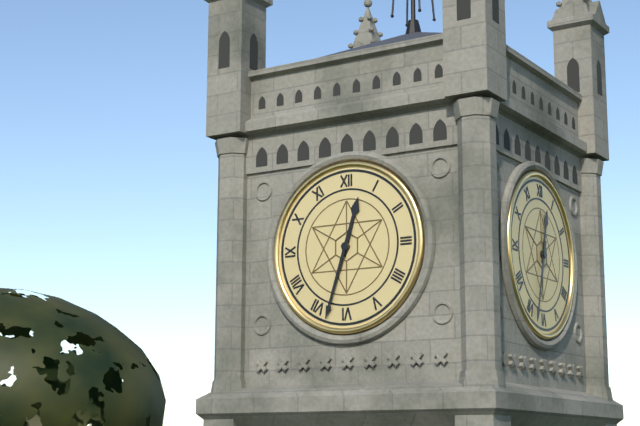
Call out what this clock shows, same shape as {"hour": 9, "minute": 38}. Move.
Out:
{"hour": 12, "minute": 33}
